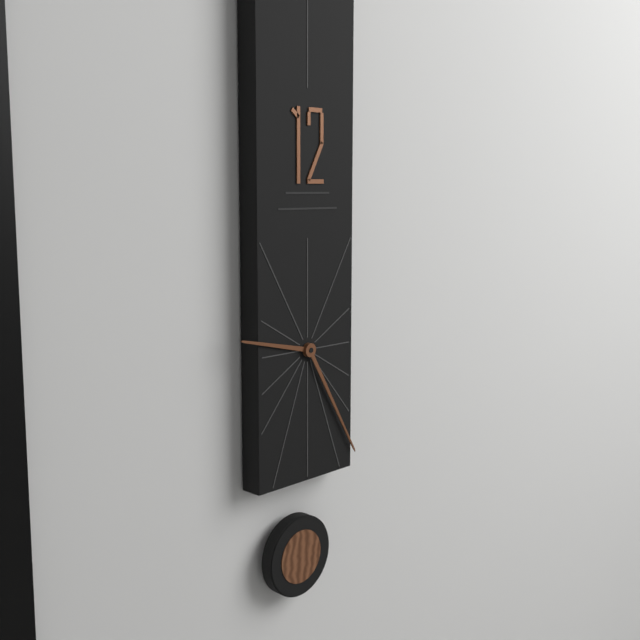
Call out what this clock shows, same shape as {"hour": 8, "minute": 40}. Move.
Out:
{"hour": 9, "minute": 25}
